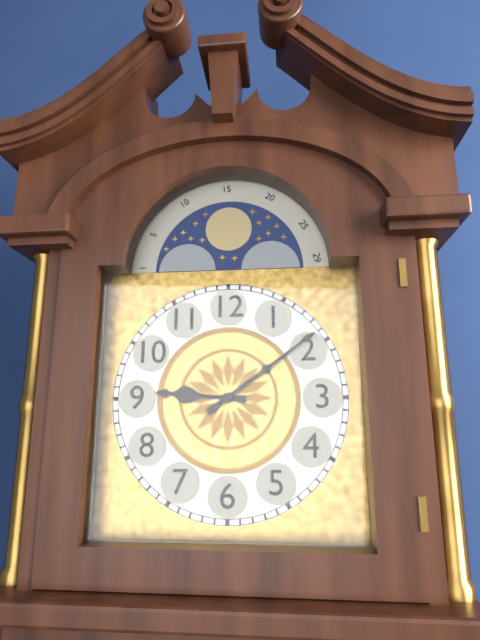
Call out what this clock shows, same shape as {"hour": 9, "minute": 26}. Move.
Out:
{"hour": 9, "minute": 9}
